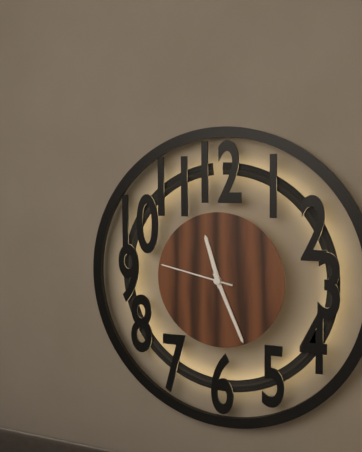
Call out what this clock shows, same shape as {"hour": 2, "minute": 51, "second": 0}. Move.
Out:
{"hour": 11, "minute": 26, "second": 47}
